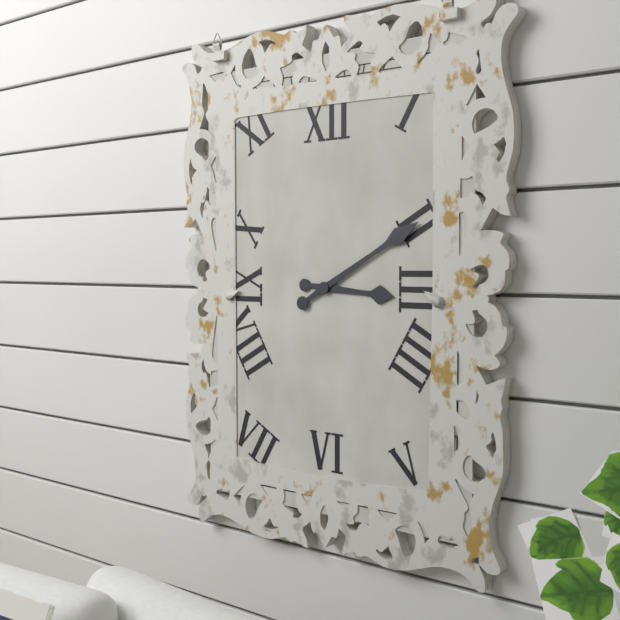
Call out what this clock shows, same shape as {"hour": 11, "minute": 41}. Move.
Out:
{"hour": 3, "minute": 10}
